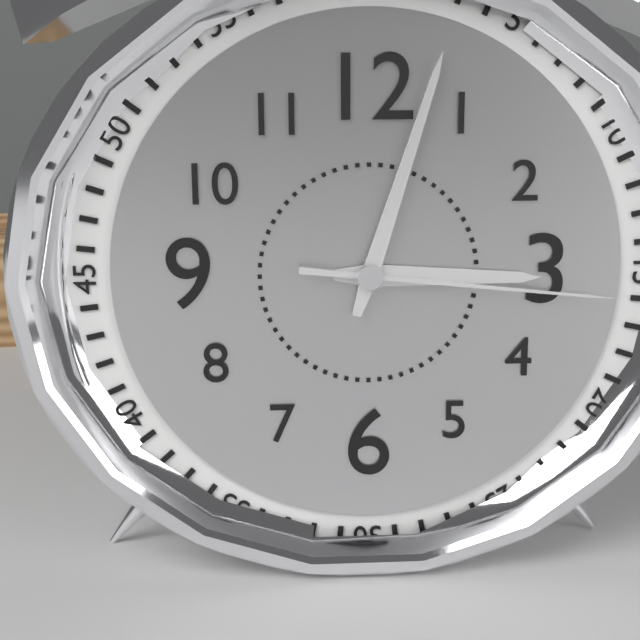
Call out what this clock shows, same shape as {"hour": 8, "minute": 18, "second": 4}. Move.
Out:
{"hour": 3, "minute": 3, "second": 16}
